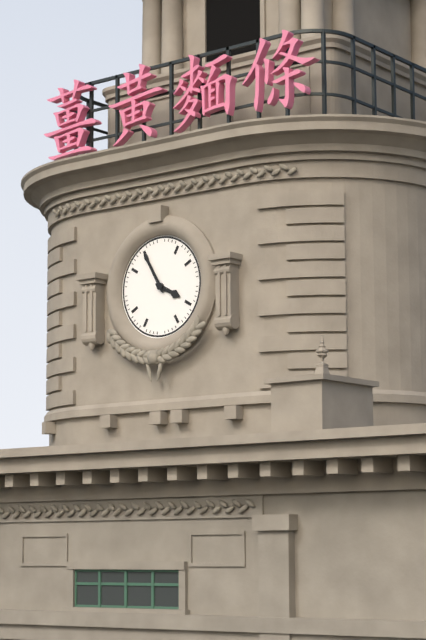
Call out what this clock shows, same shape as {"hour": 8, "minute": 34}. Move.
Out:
{"hour": 3, "minute": 55}
